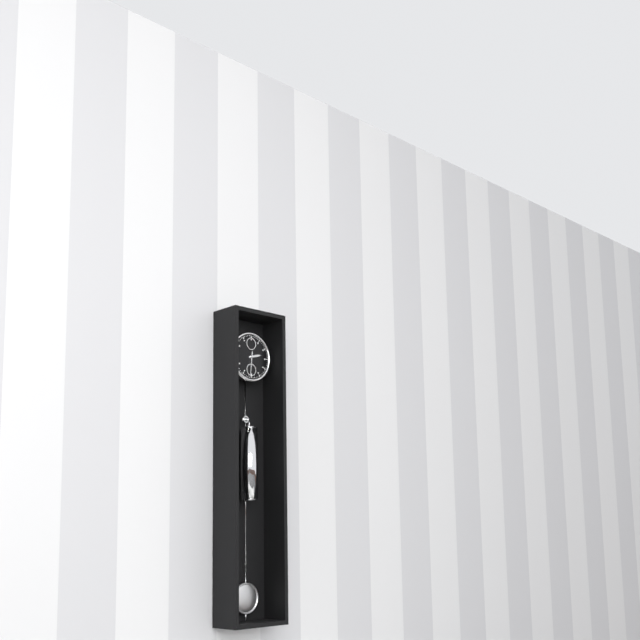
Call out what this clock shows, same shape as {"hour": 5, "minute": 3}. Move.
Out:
{"hour": 2, "minute": 31}
